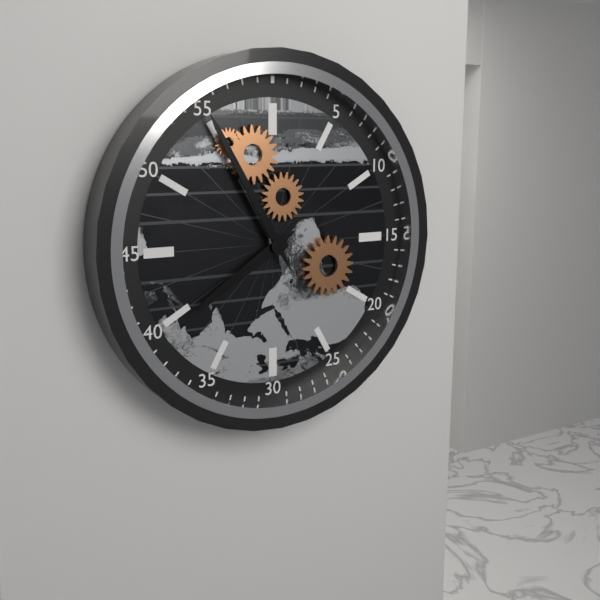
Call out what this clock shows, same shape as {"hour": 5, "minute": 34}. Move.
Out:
{"hour": 7, "minute": 55}
